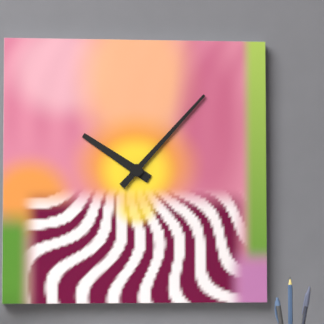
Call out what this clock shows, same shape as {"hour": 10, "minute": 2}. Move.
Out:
{"hour": 10, "minute": 7}
